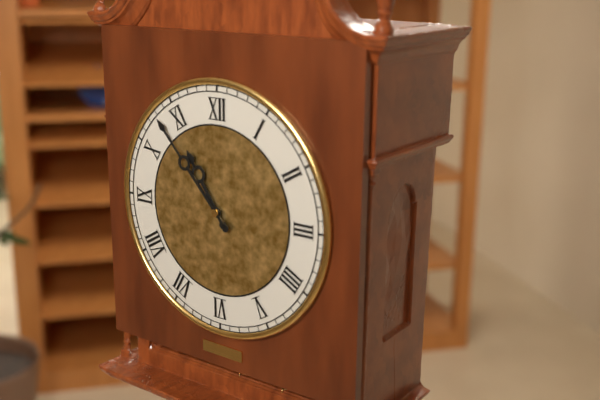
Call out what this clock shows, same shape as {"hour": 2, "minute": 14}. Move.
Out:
{"hour": 10, "minute": 53}
